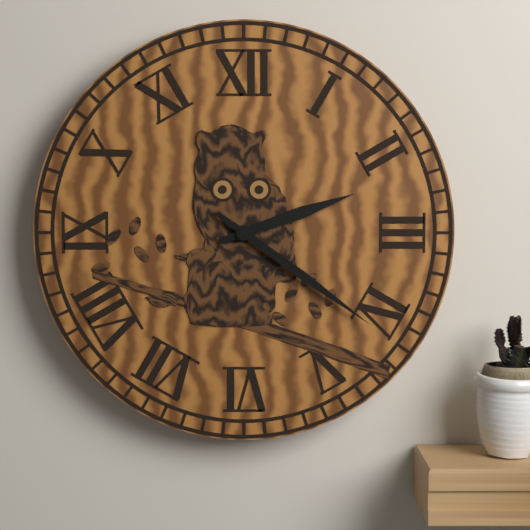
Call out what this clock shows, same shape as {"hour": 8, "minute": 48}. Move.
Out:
{"hour": 2, "minute": 21}
